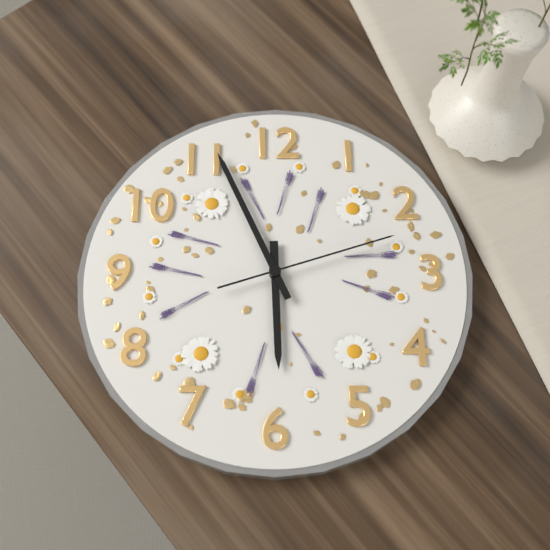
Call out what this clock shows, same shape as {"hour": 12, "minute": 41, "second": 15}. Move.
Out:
{"hour": 5, "minute": 56, "second": 12}
